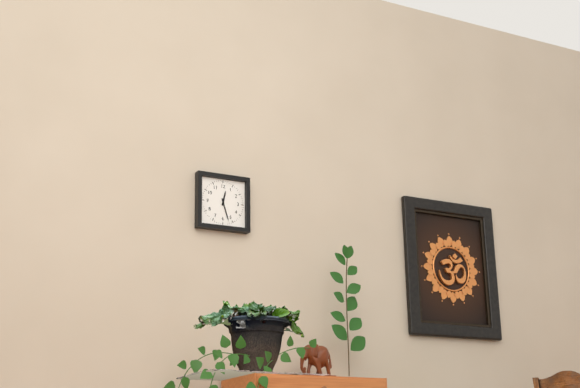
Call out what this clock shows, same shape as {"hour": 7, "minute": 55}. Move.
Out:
{"hour": 12, "minute": 27}
